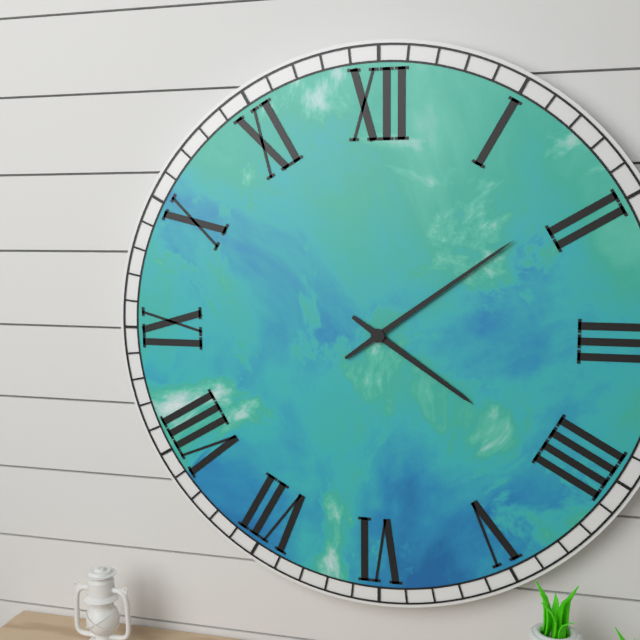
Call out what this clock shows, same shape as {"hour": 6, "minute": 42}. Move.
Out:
{"hour": 4, "minute": 9}
